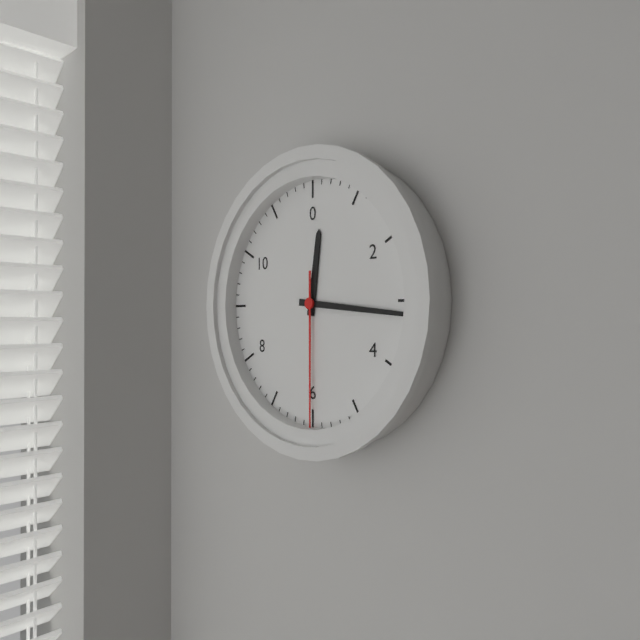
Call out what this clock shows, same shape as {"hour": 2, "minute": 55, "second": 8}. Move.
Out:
{"hour": 12, "minute": 16, "second": 30}
